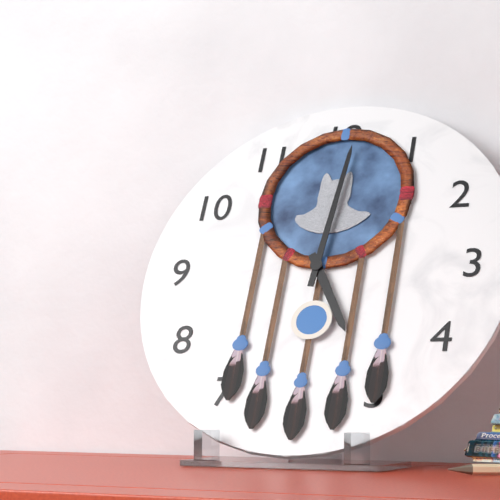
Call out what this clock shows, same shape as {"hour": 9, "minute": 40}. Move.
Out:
{"hour": 5, "minute": 1}
